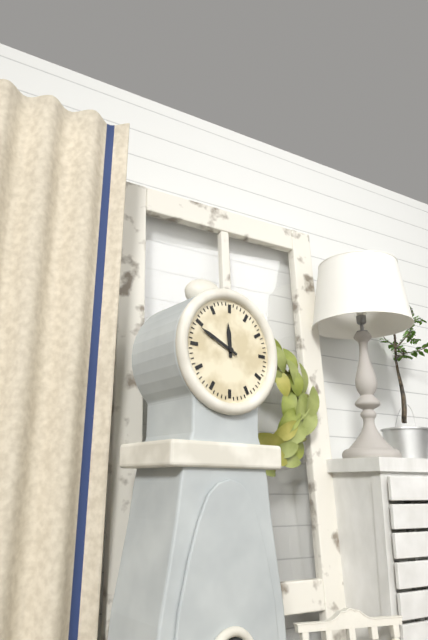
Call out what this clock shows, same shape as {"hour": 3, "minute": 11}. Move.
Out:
{"hour": 11, "minute": 49}
